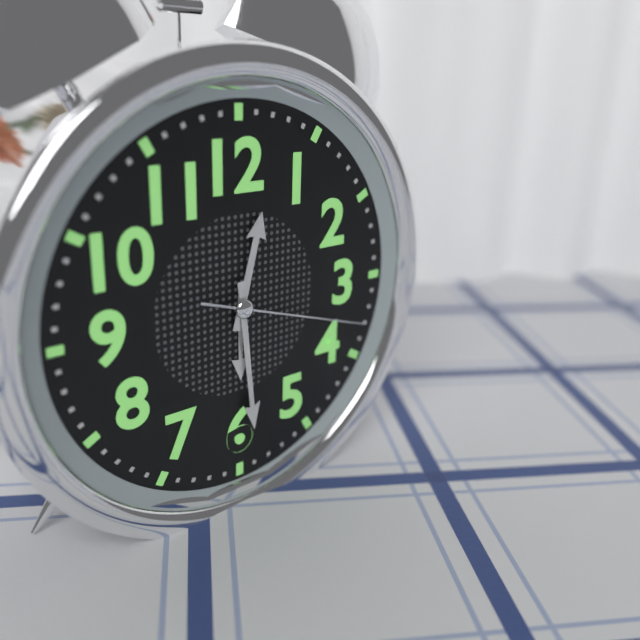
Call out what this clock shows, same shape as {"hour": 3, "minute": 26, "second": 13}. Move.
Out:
{"hour": 12, "minute": 29, "second": 18}
